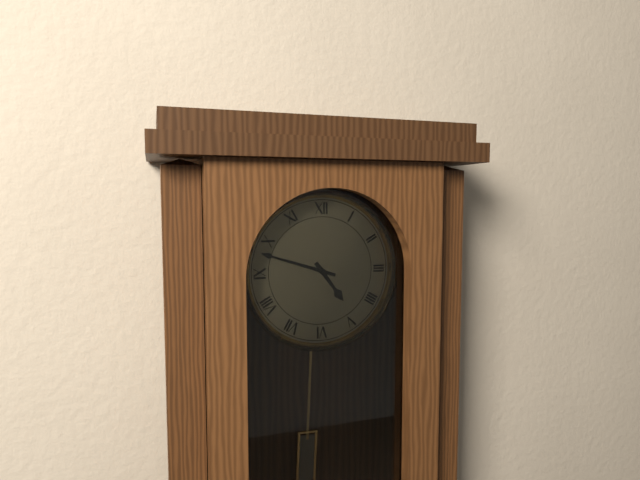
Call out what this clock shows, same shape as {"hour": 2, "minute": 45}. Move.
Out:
{"hour": 4, "minute": 48}
